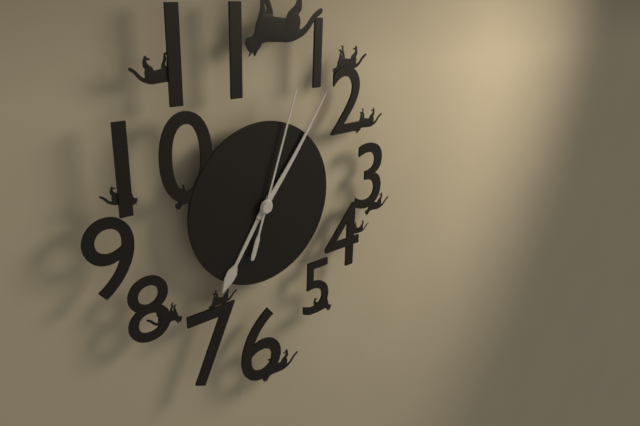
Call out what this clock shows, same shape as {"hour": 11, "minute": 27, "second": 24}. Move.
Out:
{"hour": 7, "minute": 6, "second": 3}
